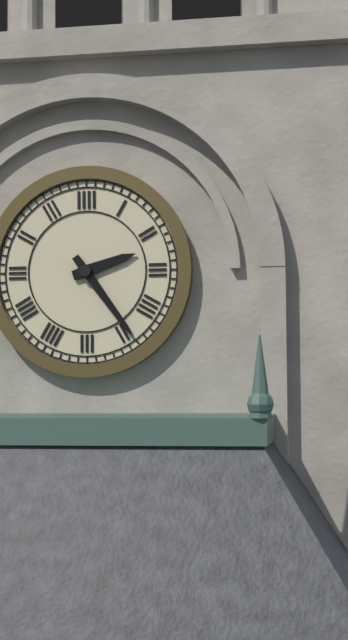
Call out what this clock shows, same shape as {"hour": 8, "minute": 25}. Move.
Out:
{"hour": 2, "minute": 24}
